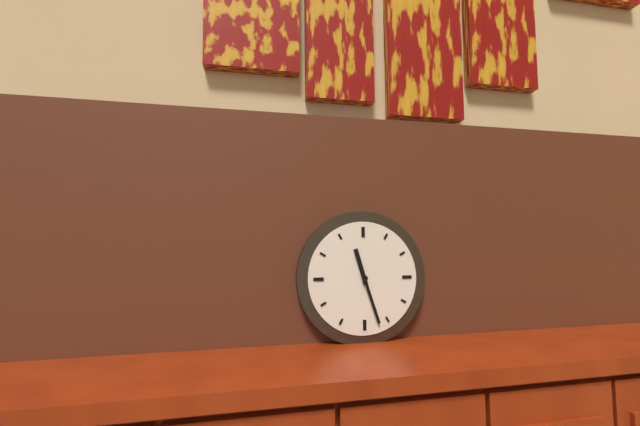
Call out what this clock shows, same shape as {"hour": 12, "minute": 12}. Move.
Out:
{"hour": 11, "minute": 27}
